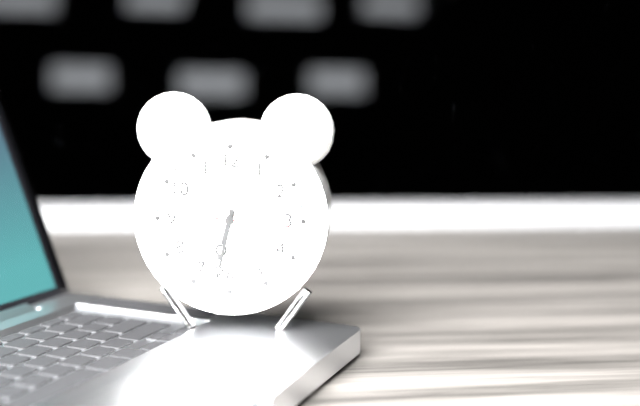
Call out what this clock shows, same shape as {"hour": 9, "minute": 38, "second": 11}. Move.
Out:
{"hour": 6, "minute": 32, "second": 16}
